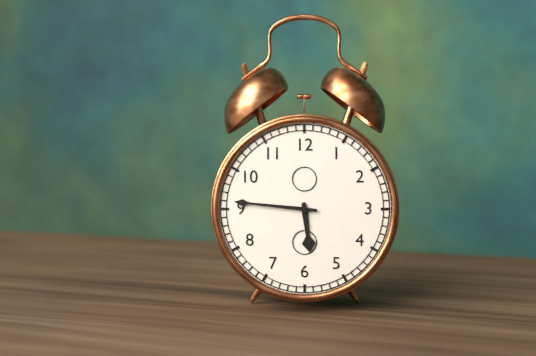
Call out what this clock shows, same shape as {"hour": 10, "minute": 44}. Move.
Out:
{"hour": 5, "minute": 46}
